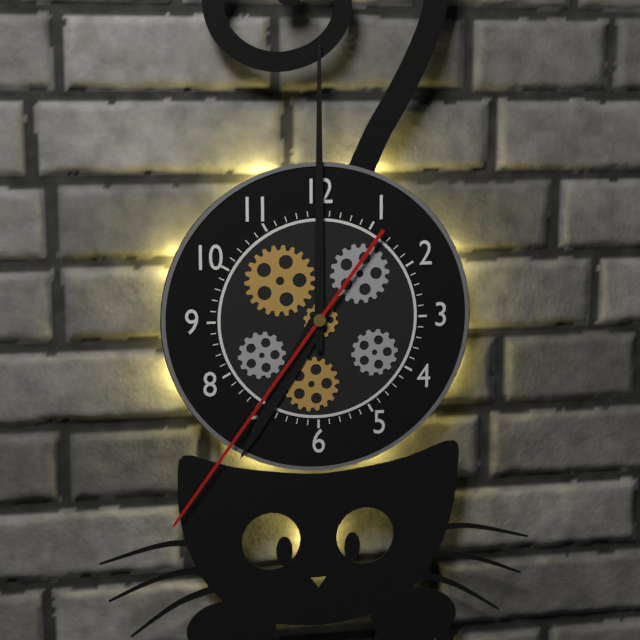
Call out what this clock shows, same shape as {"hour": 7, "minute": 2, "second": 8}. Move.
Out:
{"hour": 7, "minute": 0, "second": 36}
